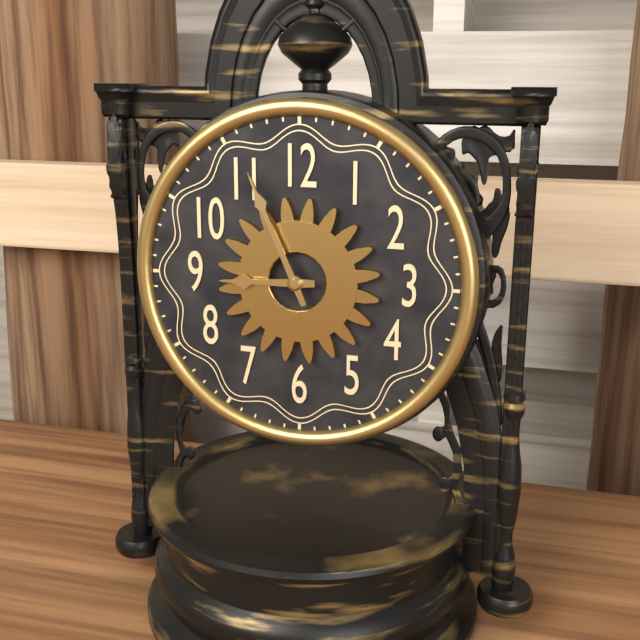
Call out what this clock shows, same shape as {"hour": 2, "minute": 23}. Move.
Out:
{"hour": 8, "minute": 56}
